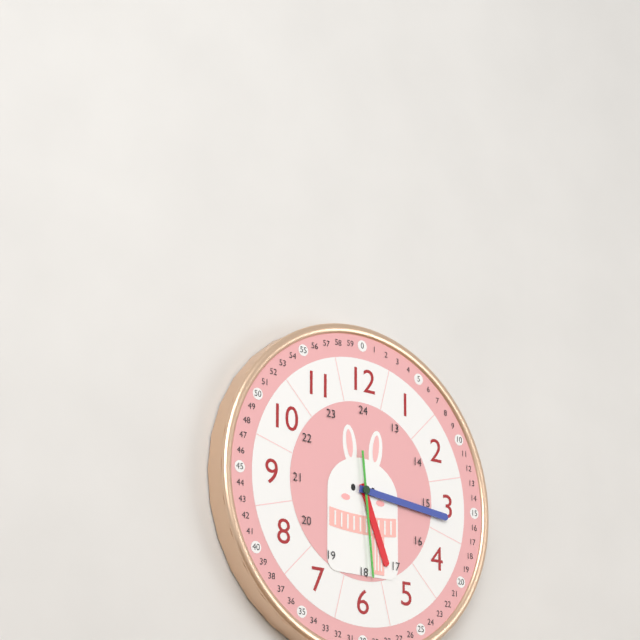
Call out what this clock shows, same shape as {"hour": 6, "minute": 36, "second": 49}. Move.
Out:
{"hour": 5, "minute": 16, "second": 29}
